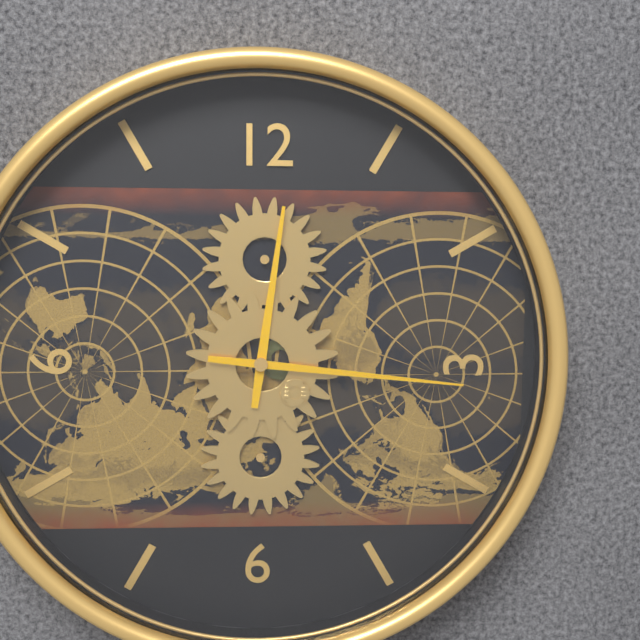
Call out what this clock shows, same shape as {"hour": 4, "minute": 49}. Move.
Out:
{"hour": 12, "minute": 16}
